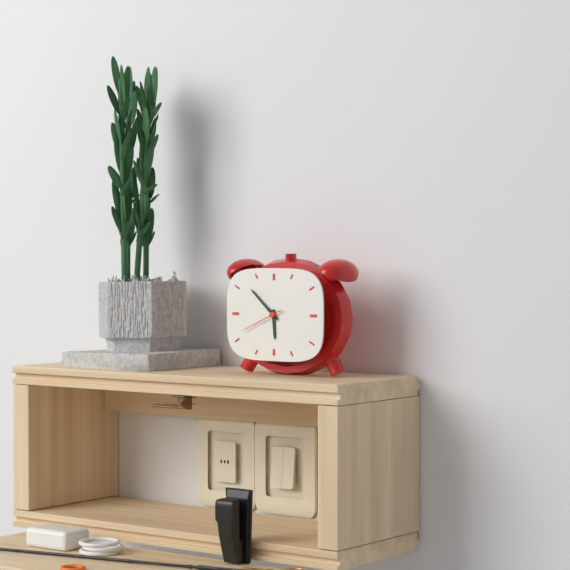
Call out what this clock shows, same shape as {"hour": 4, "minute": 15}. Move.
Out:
{"hour": 5, "minute": 52}
